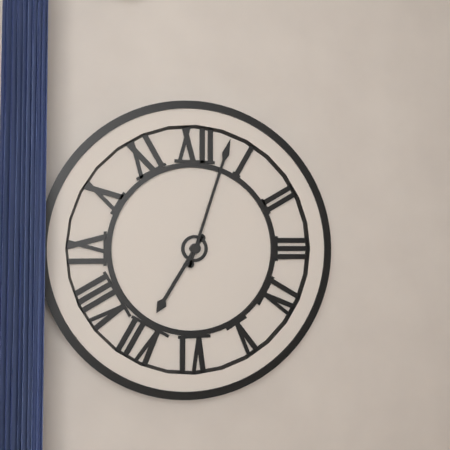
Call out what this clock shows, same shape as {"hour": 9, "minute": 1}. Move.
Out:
{"hour": 7, "minute": 3}
